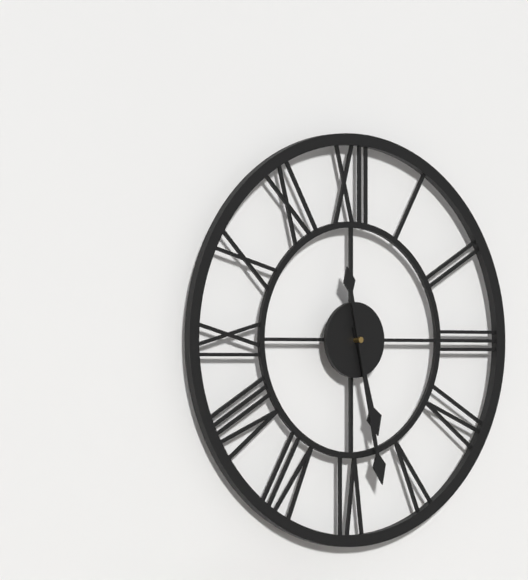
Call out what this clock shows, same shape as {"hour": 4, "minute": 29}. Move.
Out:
{"hour": 5, "minute": 28}
